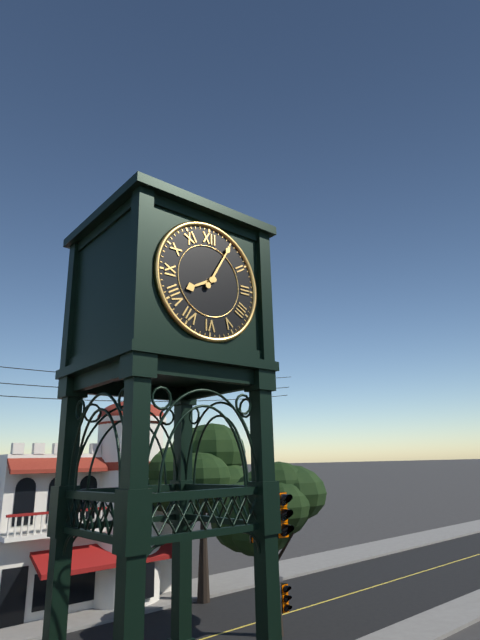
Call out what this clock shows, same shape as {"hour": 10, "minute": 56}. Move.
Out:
{"hour": 8, "minute": 5}
